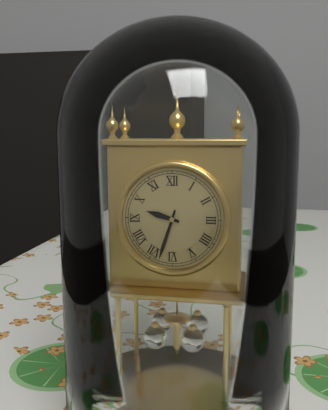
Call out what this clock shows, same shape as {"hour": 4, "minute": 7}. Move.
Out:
{"hour": 9, "minute": 33}
